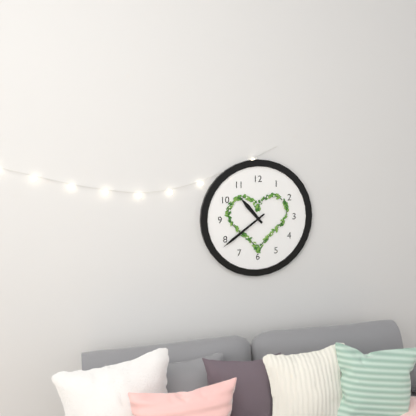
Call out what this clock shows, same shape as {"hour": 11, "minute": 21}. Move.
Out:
{"hour": 10, "minute": 39}
